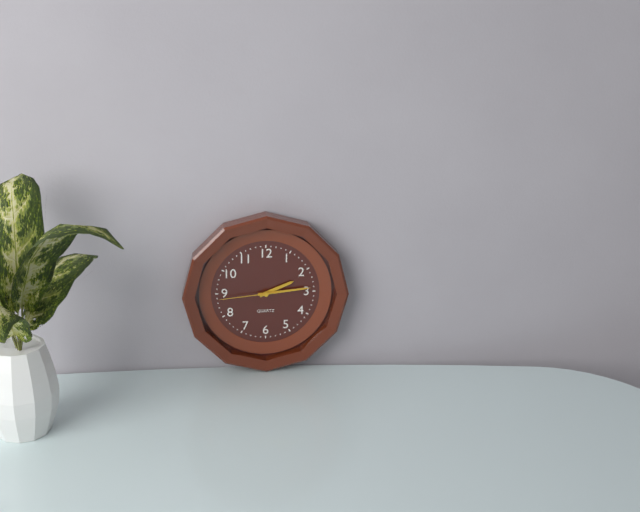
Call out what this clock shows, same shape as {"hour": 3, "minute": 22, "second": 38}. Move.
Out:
{"hour": 2, "minute": 14, "second": 44}
